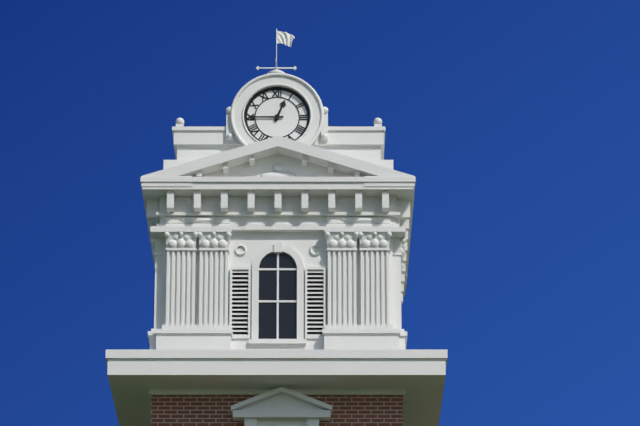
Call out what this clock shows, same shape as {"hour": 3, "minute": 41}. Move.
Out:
{"hour": 12, "minute": 45}
